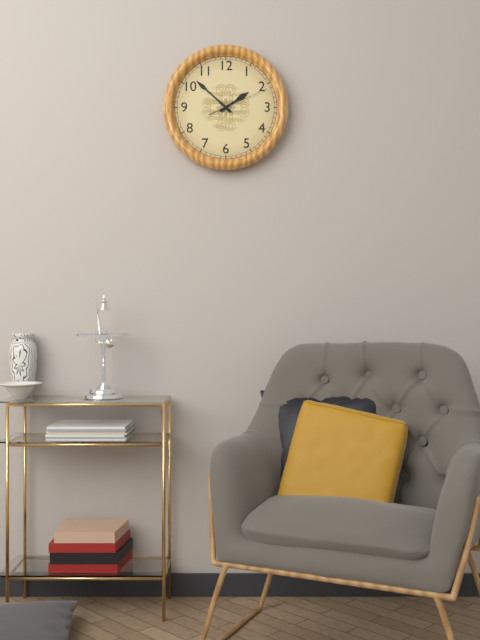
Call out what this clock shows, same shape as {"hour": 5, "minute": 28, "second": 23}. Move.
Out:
{"hour": 1, "minute": 52, "second": 11}
